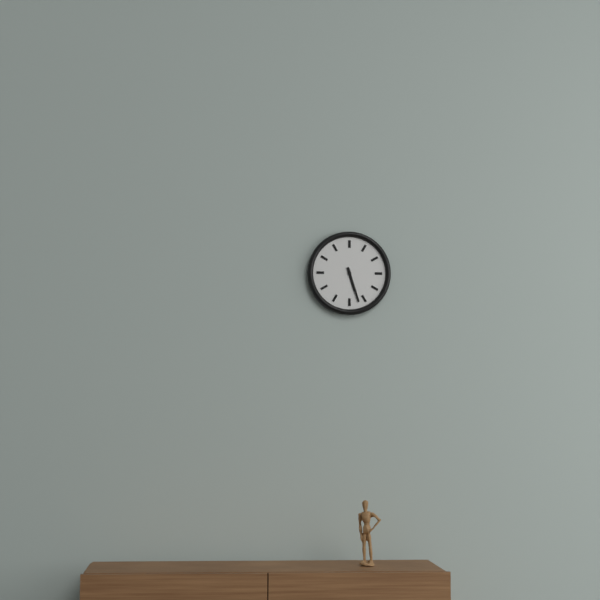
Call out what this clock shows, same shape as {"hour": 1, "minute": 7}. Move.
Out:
{"hour": 5, "minute": 27}
